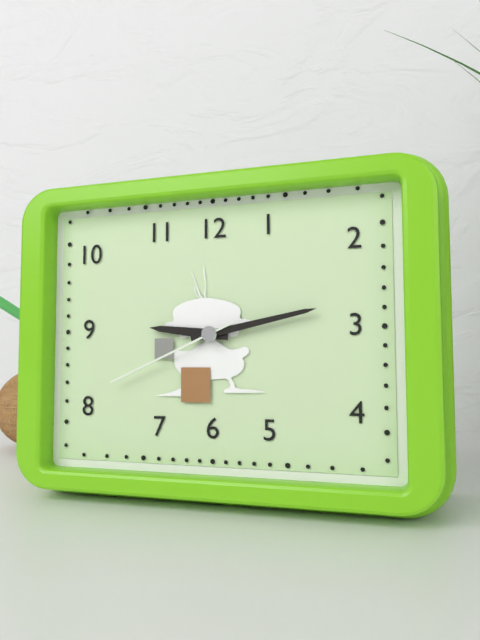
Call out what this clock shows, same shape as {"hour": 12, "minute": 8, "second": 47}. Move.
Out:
{"hour": 9, "minute": 13, "second": 41}
